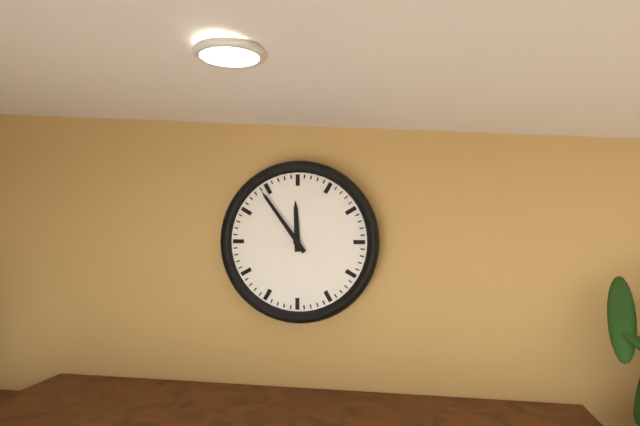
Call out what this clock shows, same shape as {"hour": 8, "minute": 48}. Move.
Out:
{"hour": 11, "minute": 54}
